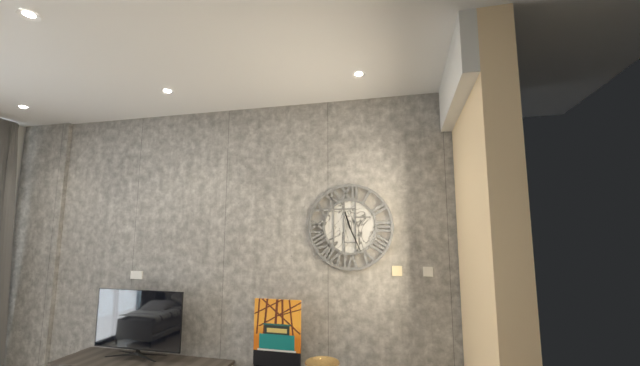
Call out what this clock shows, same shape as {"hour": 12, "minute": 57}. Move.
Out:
{"hour": 11, "minute": 26}
